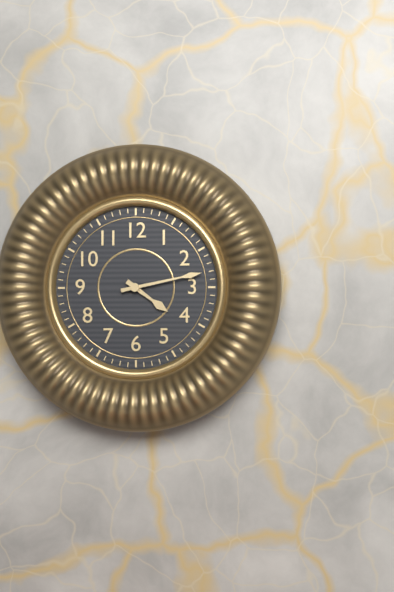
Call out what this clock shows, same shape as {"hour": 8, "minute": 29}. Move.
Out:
{"hour": 4, "minute": 13}
